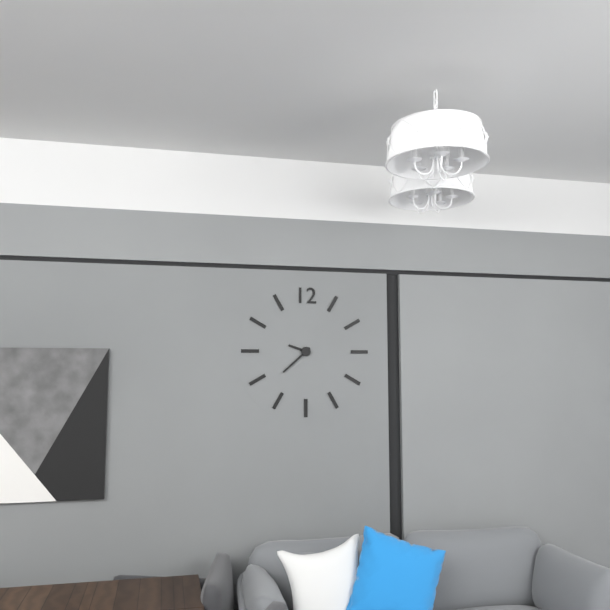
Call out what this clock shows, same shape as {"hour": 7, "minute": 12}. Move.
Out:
{"hour": 9, "minute": 38}
